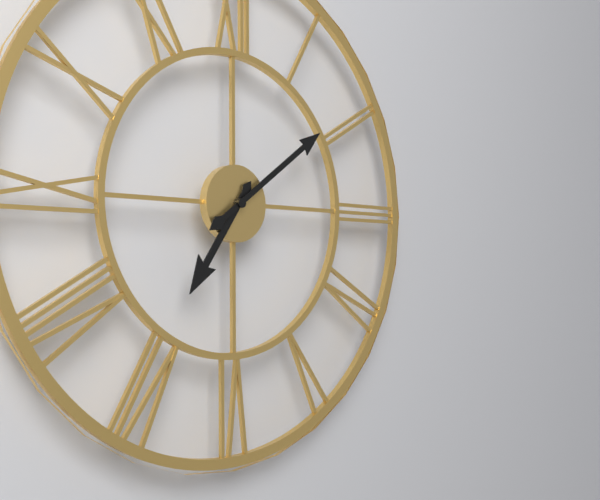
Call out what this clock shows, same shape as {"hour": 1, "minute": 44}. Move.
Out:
{"hour": 7, "minute": 9}
